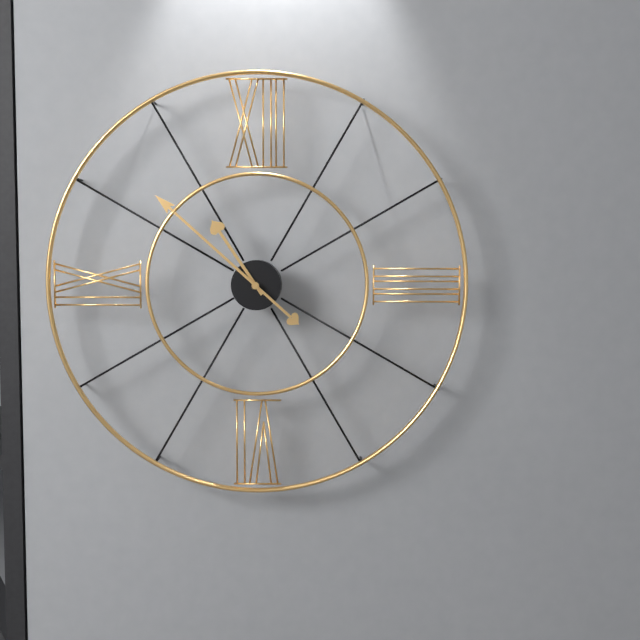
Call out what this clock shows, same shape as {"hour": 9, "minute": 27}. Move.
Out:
{"hour": 10, "minute": 52}
